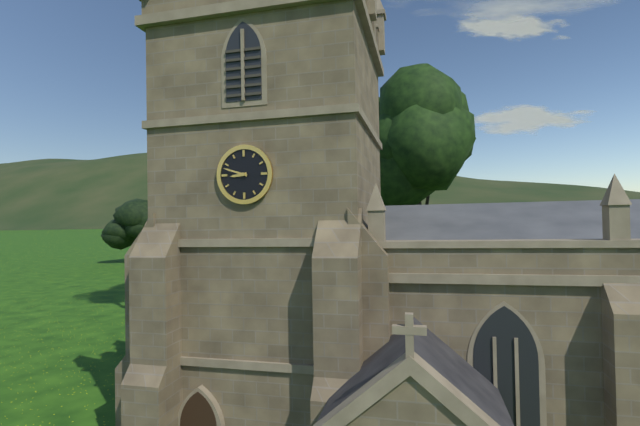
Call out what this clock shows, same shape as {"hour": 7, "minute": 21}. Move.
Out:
{"hour": 8, "minute": 48}
